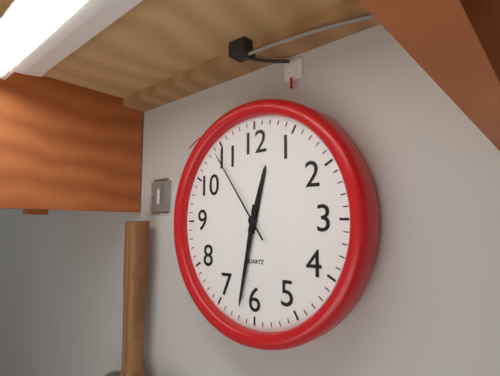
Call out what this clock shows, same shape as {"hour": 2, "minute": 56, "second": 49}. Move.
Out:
{"hour": 12, "minute": 32, "second": 54}
